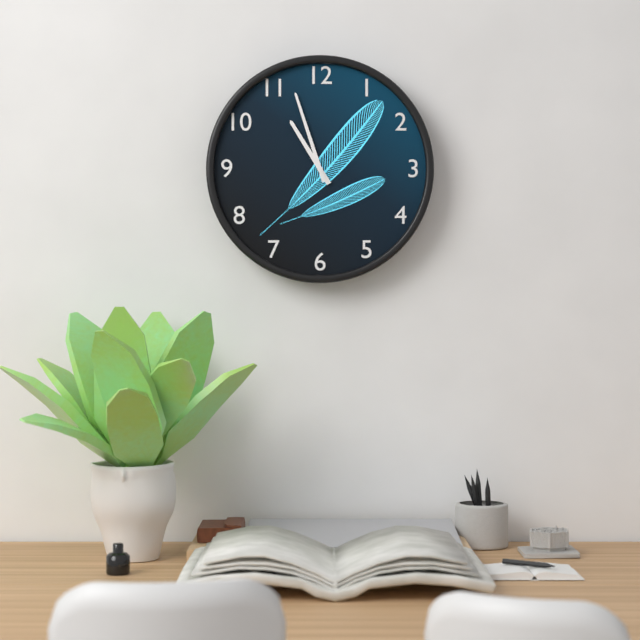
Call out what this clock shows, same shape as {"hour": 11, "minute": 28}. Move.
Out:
{"hour": 10, "minute": 57}
